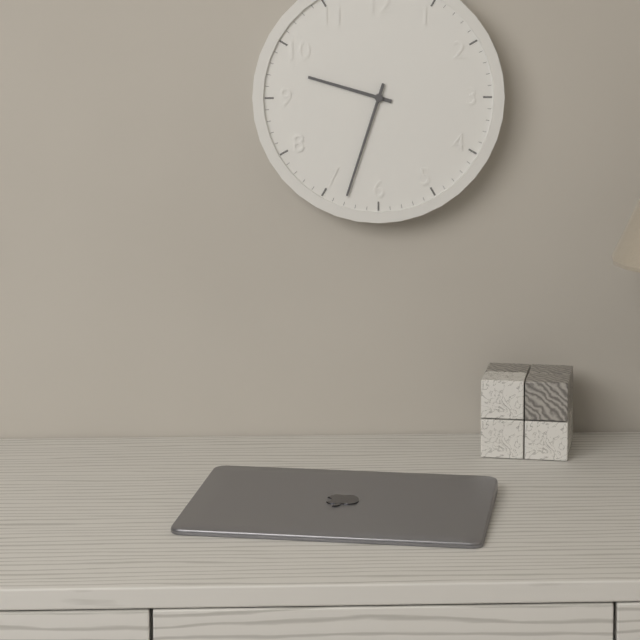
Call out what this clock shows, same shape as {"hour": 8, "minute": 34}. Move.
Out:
{"hour": 9, "minute": 33}
